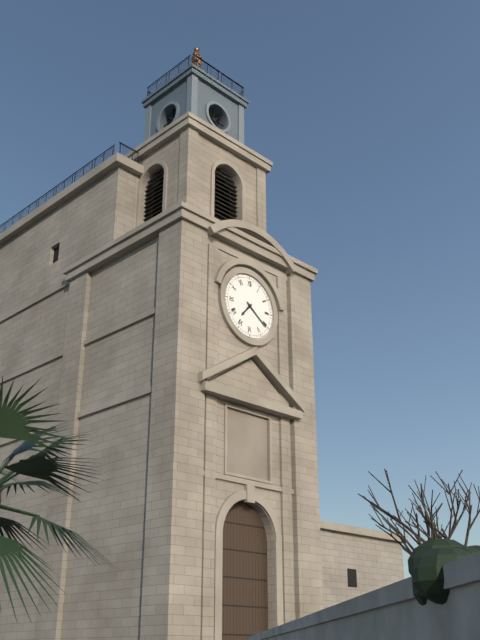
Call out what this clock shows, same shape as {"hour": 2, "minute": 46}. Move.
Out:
{"hour": 7, "minute": 21}
